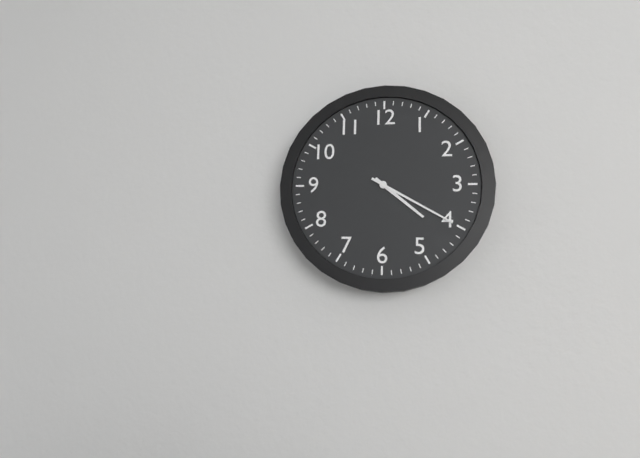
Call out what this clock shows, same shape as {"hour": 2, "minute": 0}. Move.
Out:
{"hour": 4, "minute": 20}
